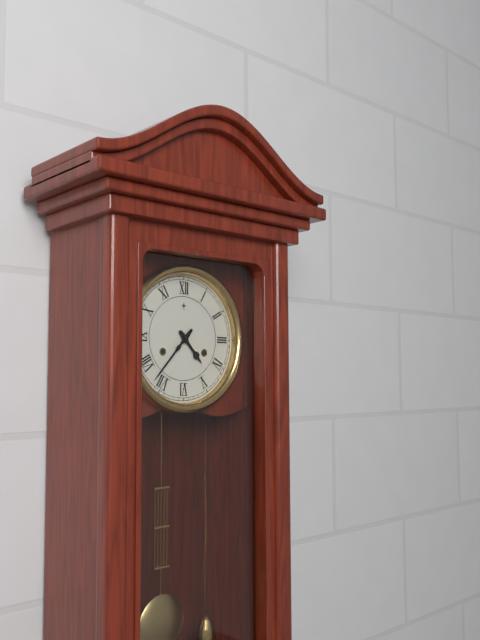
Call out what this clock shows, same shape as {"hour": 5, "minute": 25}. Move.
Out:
{"hour": 4, "minute": 37}
